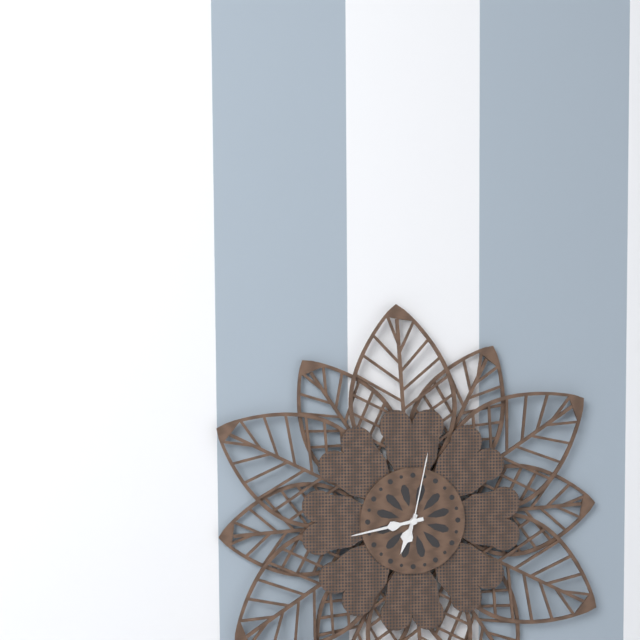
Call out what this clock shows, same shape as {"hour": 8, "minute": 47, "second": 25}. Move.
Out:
{"hour": 6, "minute": 43, "second": 2}
